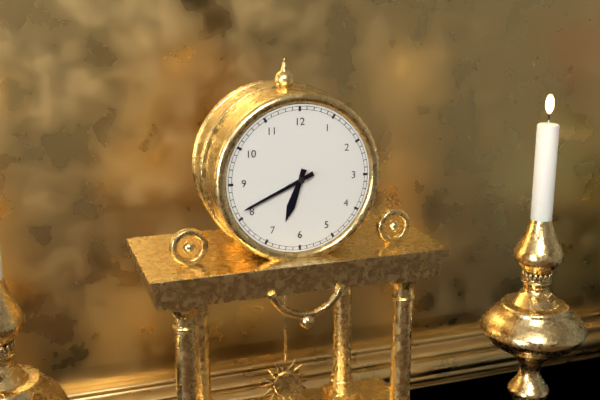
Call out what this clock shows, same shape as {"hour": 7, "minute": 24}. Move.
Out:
{"hour": 6, "minute": 41}
